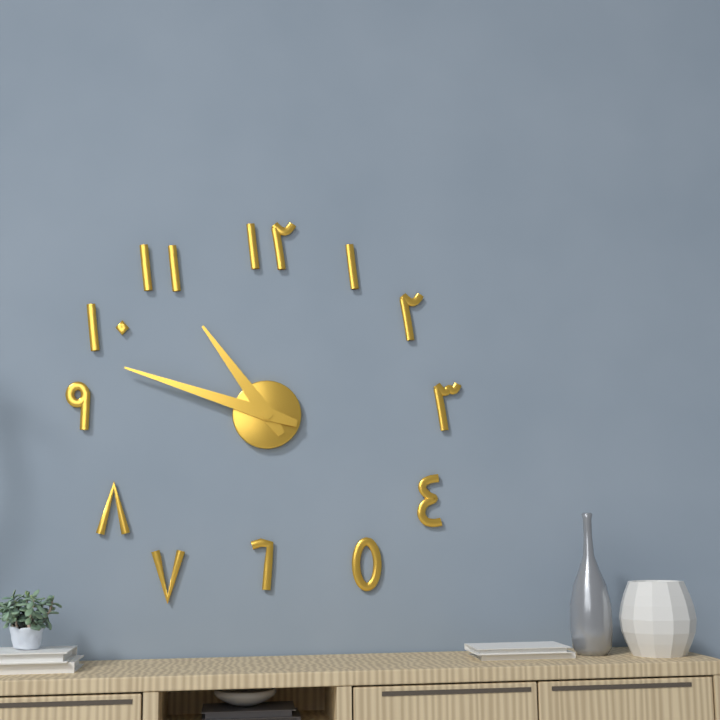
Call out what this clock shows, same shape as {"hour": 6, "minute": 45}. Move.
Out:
{"hour": 10, "minute": 48}
